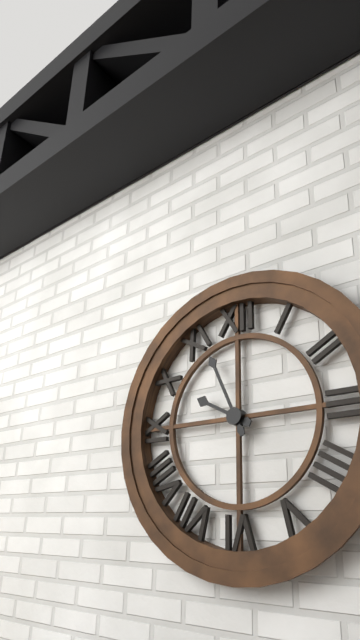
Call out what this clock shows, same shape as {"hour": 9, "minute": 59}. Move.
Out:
{"hour": 9, "minute": 56}
